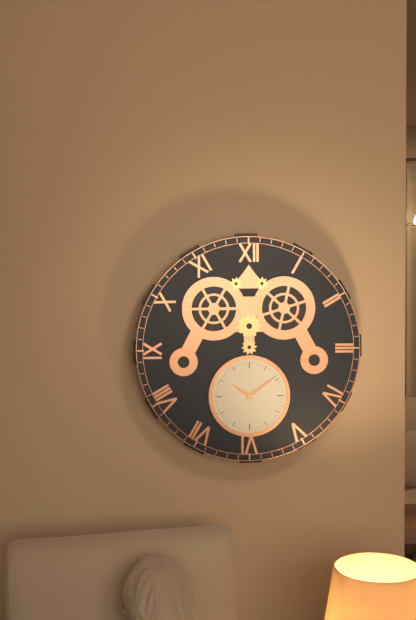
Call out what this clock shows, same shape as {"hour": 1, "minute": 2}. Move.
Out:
{"hour": 10, "minute": 9}
